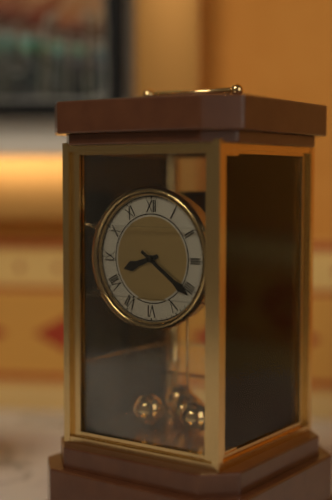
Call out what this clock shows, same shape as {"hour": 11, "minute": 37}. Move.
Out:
{"hour": 8, "minute": 21}
